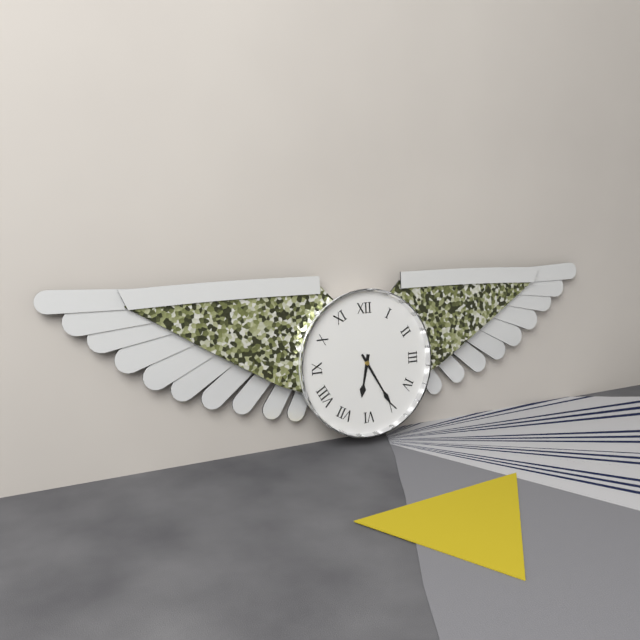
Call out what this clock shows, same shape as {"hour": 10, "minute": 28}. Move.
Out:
{"hour": 6, "minute": 25}
